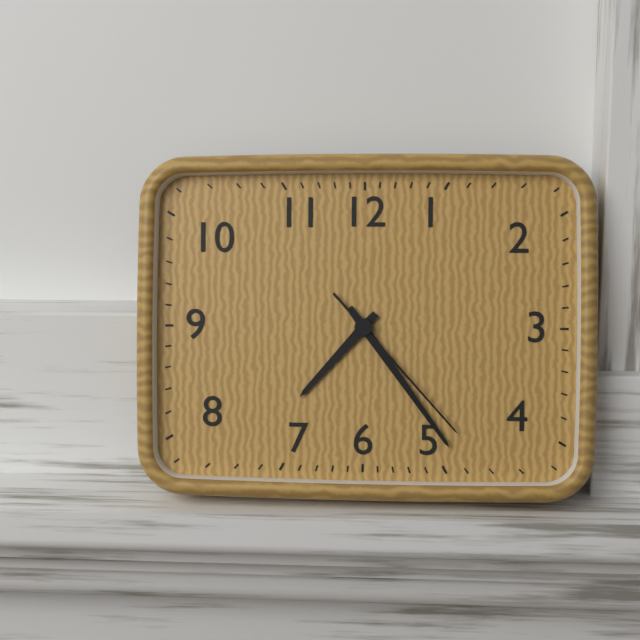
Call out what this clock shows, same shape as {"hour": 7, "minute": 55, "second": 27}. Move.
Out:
{"hour": 7, "minute": 24, "second": 23}
